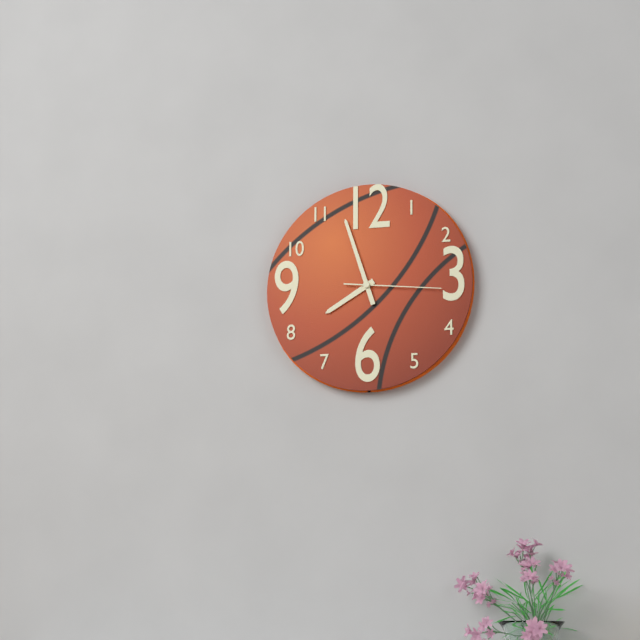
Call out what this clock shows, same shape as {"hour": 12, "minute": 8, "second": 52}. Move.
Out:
{"hour": 7, "minute": 57, "second": 16}
